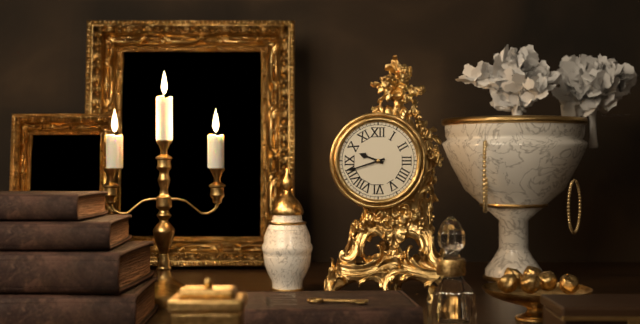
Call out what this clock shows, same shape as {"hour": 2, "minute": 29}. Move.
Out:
{"hour": 9, "minute": 42}
